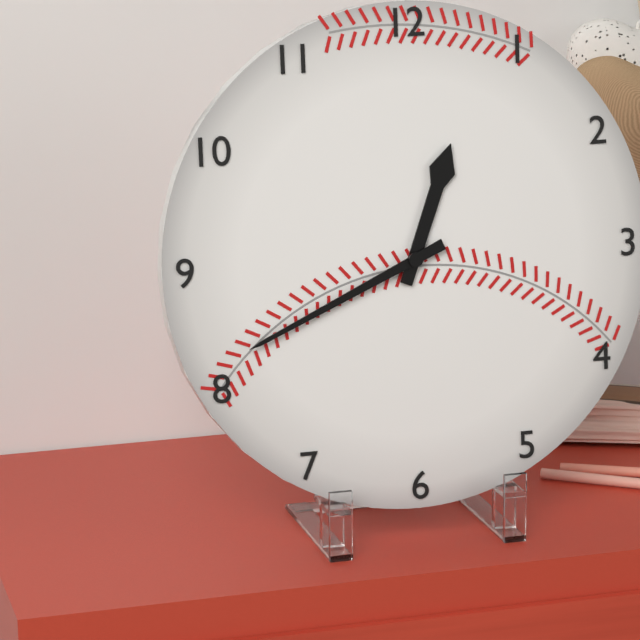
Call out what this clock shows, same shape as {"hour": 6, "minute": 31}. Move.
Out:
{"hour": 12, "minute": 41}
